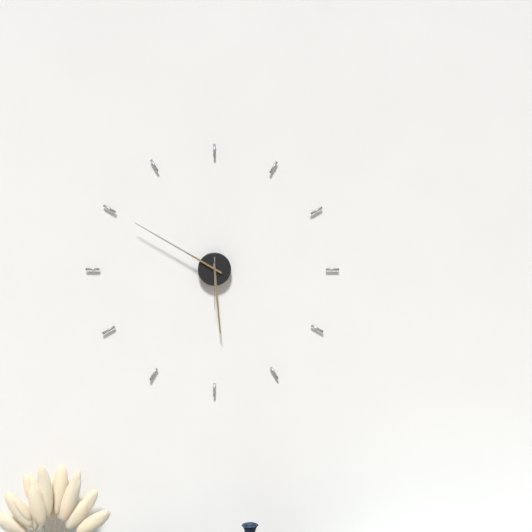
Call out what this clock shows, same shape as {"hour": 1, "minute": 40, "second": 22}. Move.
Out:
{"hour": 5, "minute": 50, "second": 30}
